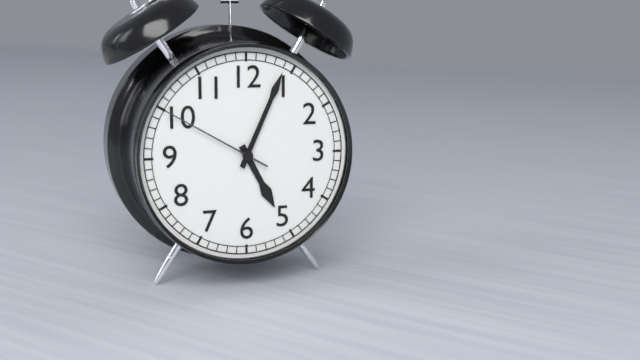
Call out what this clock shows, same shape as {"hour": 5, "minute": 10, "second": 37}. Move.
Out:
{"hour": 5, "minute": 4, "second": 50}
